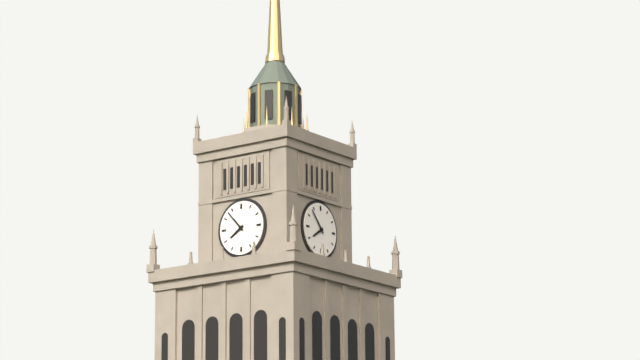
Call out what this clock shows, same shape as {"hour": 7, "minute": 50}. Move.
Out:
{"hour": 7, "minute": 53}
